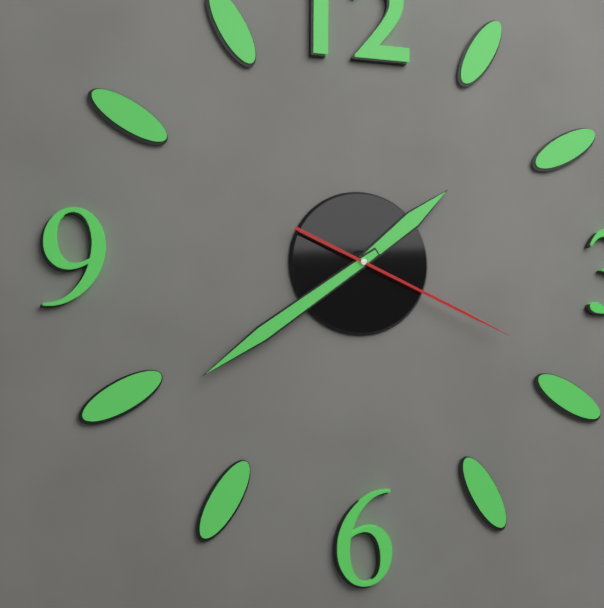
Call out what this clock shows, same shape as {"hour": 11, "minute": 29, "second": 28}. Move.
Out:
{"hour": 1, "minute": 39, "second": 19}
